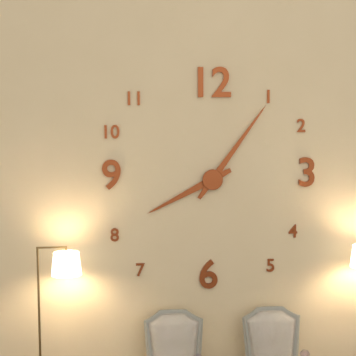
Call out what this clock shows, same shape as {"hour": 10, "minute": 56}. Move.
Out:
{"hour": 8, "minute": 6}
